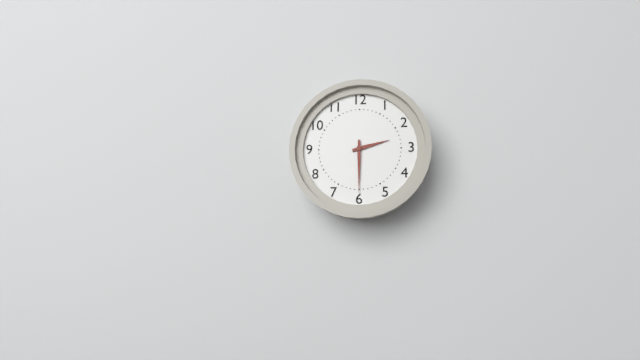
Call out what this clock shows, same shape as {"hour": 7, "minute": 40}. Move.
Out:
{"hour": 2, "minute": 30}
